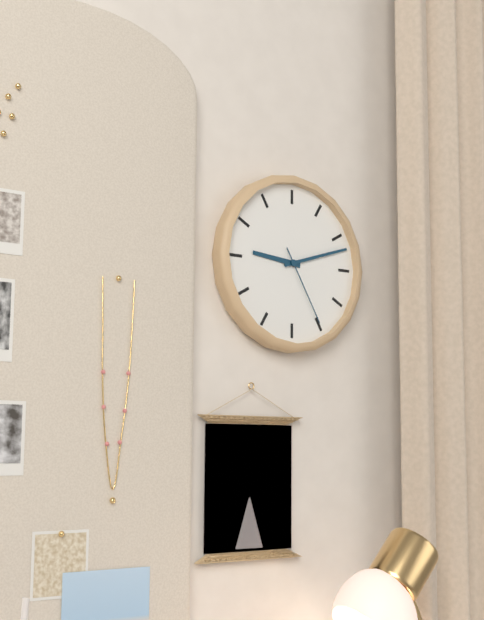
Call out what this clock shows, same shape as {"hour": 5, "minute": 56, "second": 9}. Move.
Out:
{"hour": 9, "minute": 12, "second": 25}
